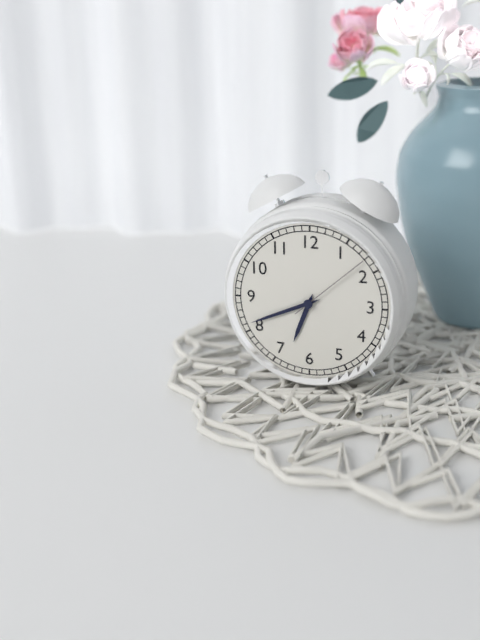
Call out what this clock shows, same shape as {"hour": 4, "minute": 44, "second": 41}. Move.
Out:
{"hour": 6, "minute": 41, "second": 8}
